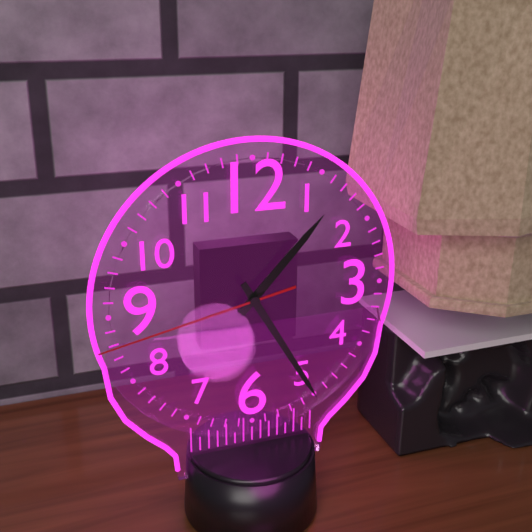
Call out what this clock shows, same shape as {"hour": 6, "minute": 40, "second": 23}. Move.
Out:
{"hour": 1, "minute": 25, "second": 43}
